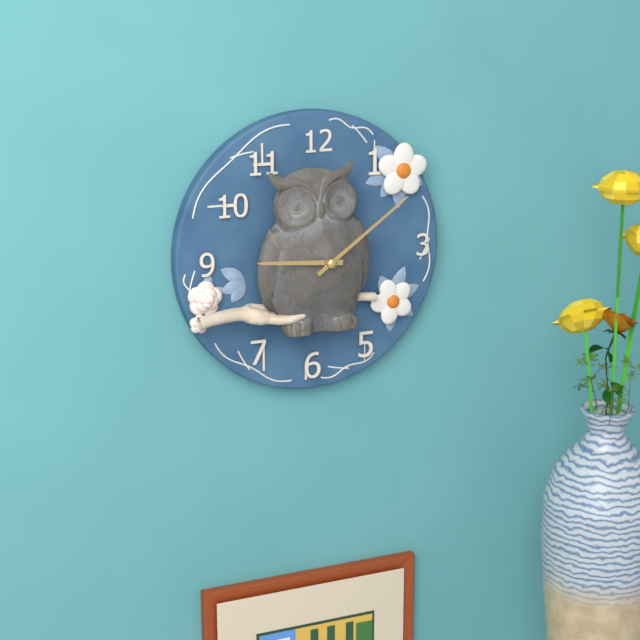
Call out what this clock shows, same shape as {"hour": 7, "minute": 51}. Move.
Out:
{"hour": 9, "minute": 9}
